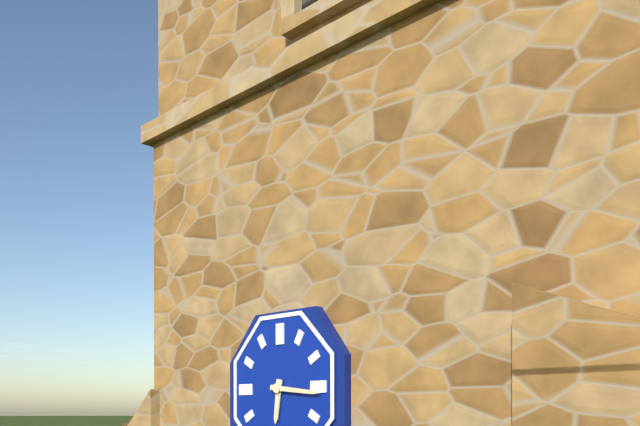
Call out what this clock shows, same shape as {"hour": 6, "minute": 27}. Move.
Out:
{"hour": 6, "minute": 16}
